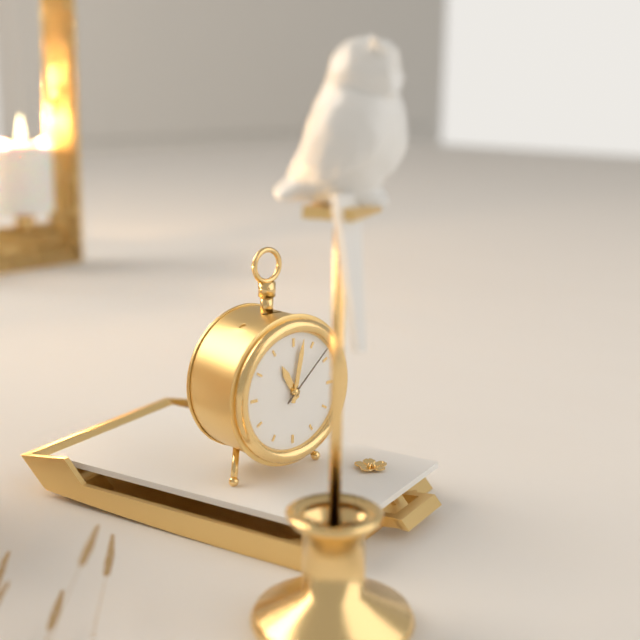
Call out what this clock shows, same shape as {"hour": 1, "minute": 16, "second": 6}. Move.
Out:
{"hour": 11, "minute": 2, "second": 8}
